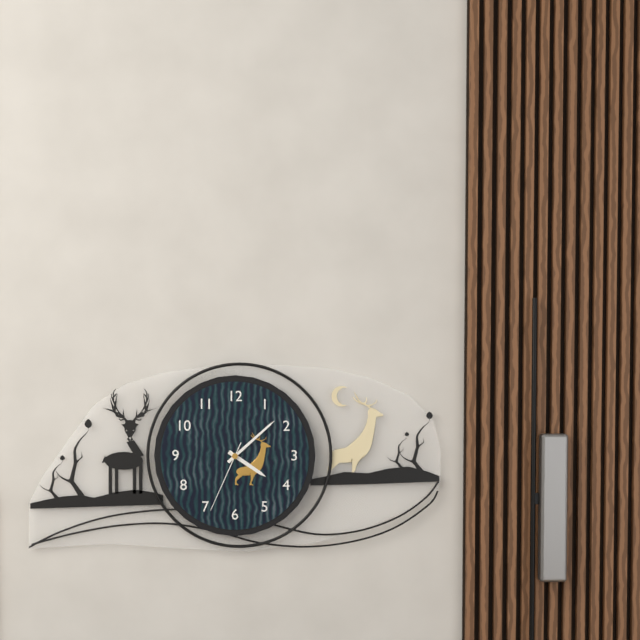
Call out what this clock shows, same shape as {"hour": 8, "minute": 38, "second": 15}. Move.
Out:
{"hour": 4, "minute": 8, "second": 34}
